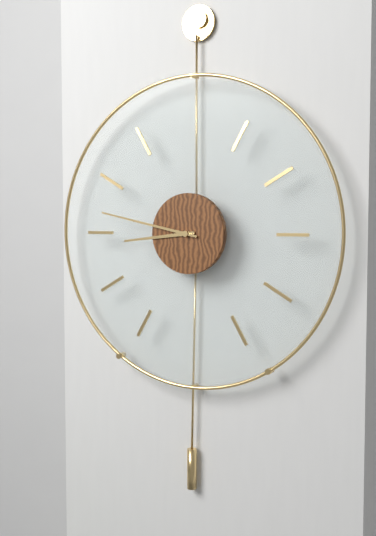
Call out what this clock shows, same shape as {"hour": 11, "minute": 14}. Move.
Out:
{"hour": 8, "minute": 47}
